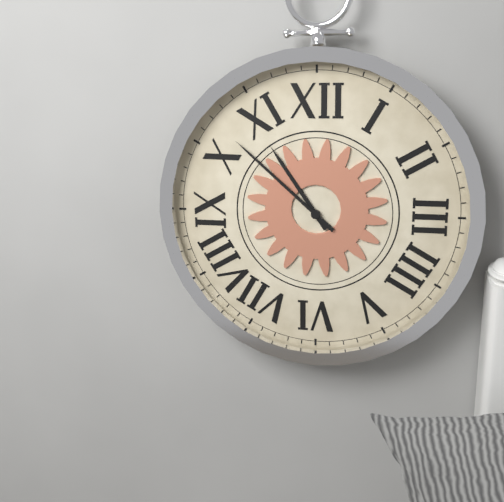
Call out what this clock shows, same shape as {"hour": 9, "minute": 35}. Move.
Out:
{"hour": 10, "minute": 52}
